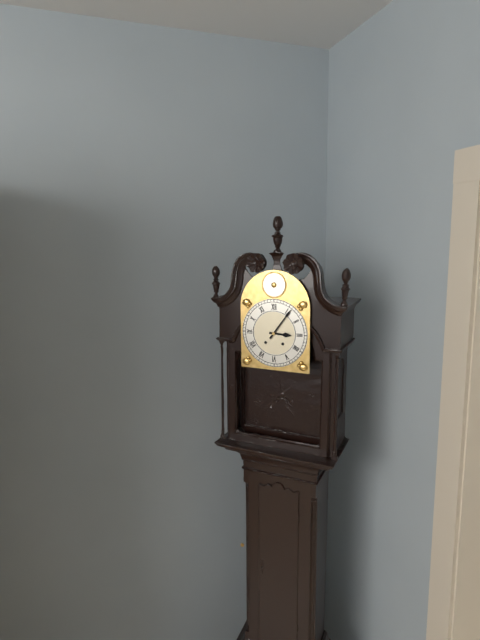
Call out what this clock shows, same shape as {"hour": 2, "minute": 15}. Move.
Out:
{"hour": 3, "minute": 6}
